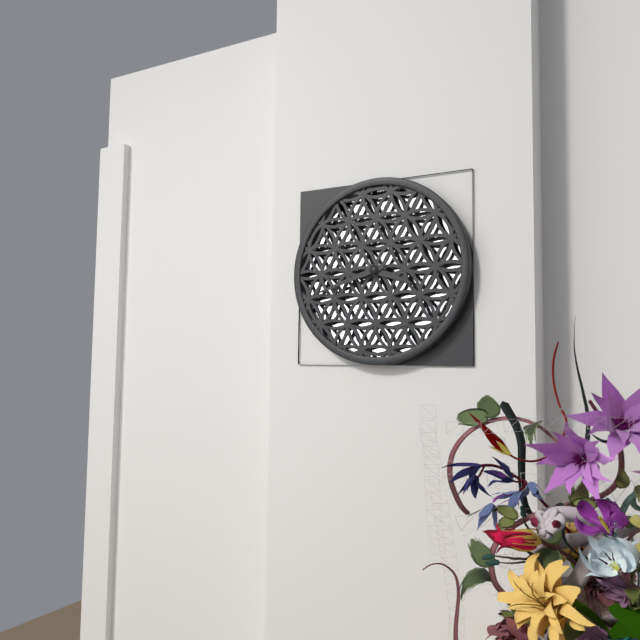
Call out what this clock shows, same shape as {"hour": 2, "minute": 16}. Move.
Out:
{"hour": 3, "minute": 42}
